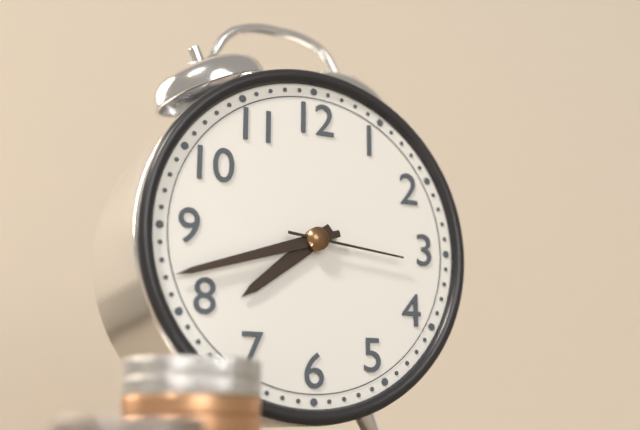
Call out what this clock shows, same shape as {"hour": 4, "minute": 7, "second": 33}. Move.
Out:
{"hour": 7, "minute": 42, "second": 16}
